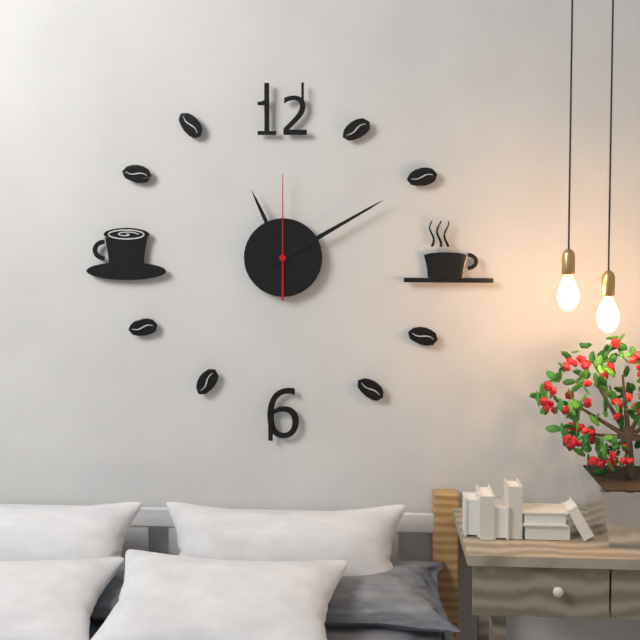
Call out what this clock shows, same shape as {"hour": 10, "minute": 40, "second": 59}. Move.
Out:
{"hour": 11, "minute": 10, "second": 0}
